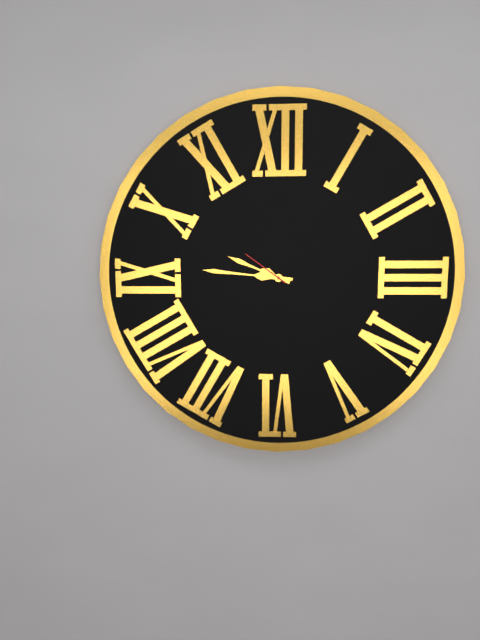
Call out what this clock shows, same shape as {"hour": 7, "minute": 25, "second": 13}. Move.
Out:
{"hour": 9, "minute": 46, "second": 51}
